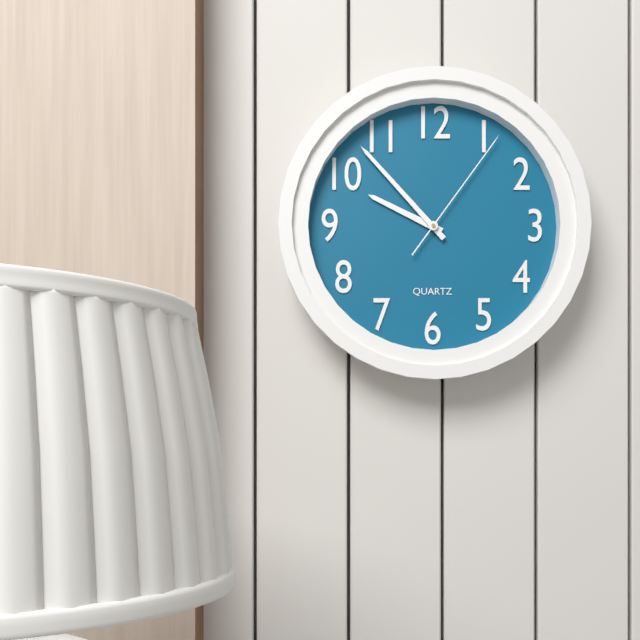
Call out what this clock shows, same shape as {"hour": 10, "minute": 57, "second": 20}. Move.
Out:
{"hour": 9, "minute": 53, "second": 6}
